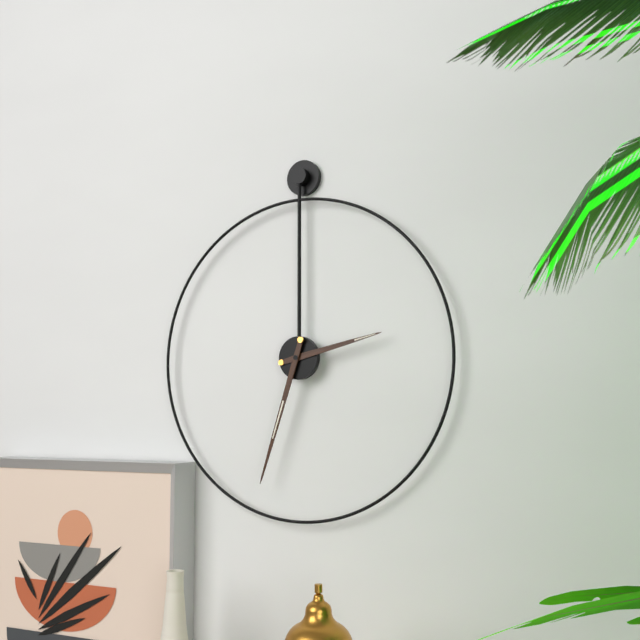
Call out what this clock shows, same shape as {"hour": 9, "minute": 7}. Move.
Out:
{"hour": 2, "minute": 33}
